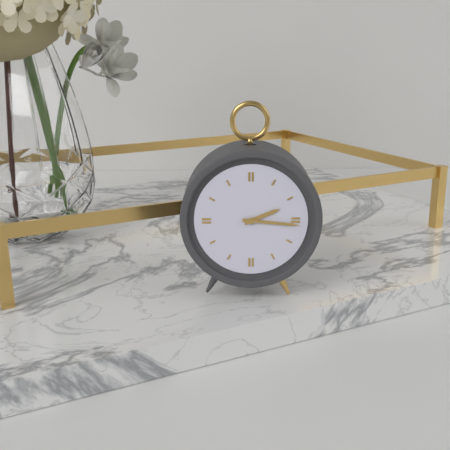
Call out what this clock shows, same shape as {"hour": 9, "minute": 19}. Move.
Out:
{"hour": 2, "minute": 16}
